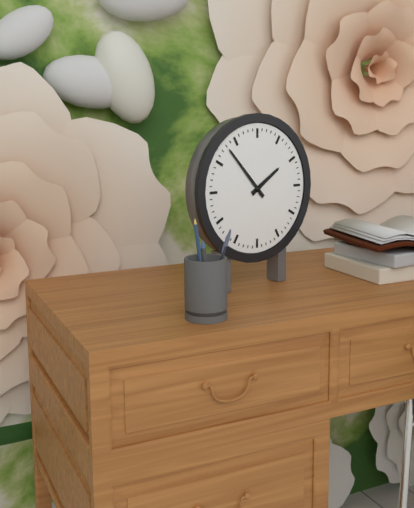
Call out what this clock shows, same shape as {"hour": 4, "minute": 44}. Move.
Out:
{"hour": 1, "minute": 53}
